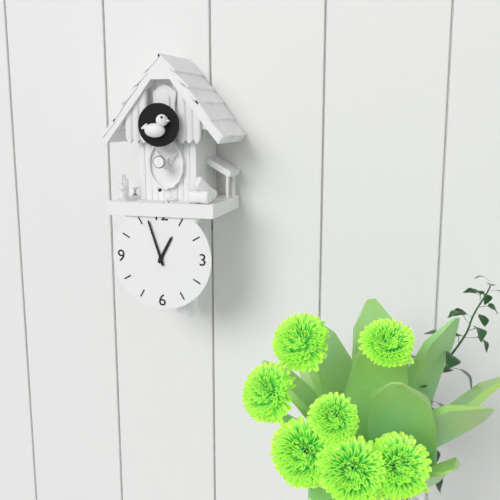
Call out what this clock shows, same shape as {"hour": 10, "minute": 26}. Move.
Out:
{"hour": 12, "minute": 57}
